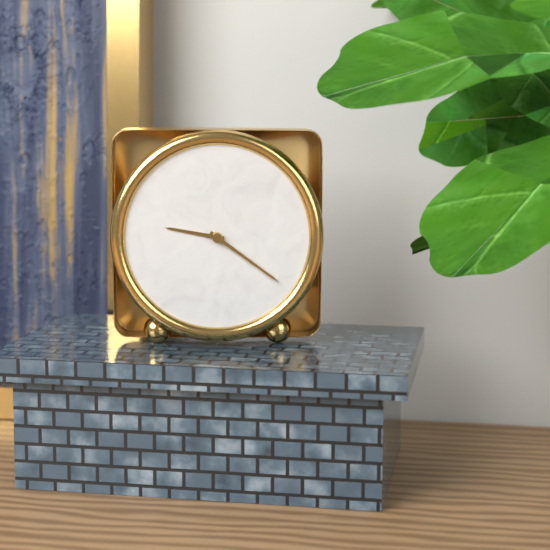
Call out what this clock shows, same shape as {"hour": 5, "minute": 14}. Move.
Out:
{"hour": 9, "minute": 21}
